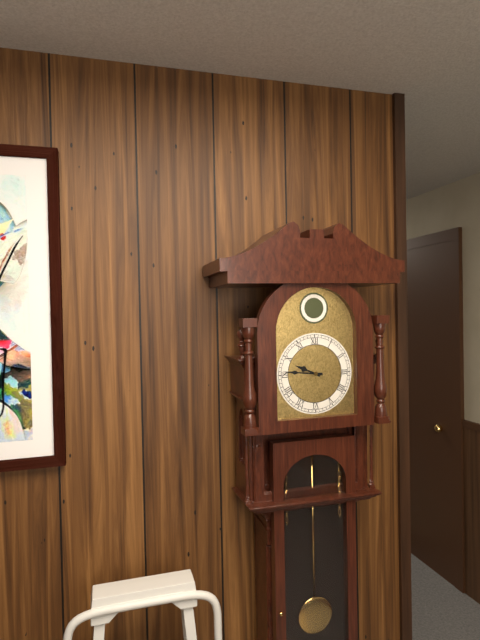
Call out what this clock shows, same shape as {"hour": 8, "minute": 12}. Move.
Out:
{"hour": 9, "minute": 46}
